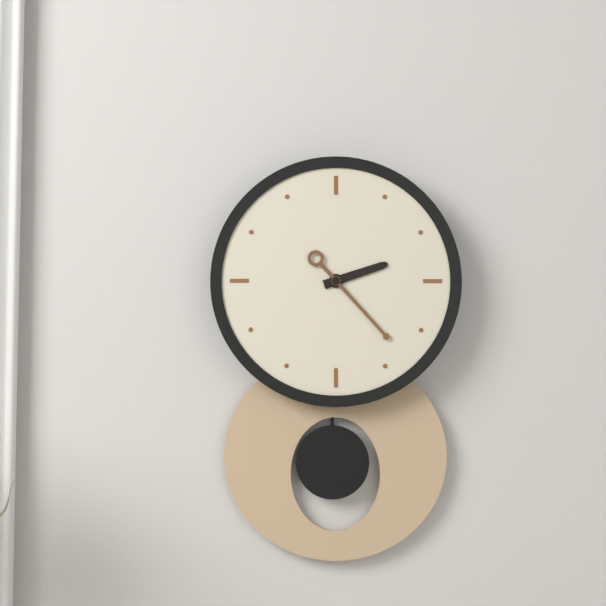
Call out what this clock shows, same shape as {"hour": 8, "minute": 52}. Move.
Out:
{"hour": 2, "minute": 23}
